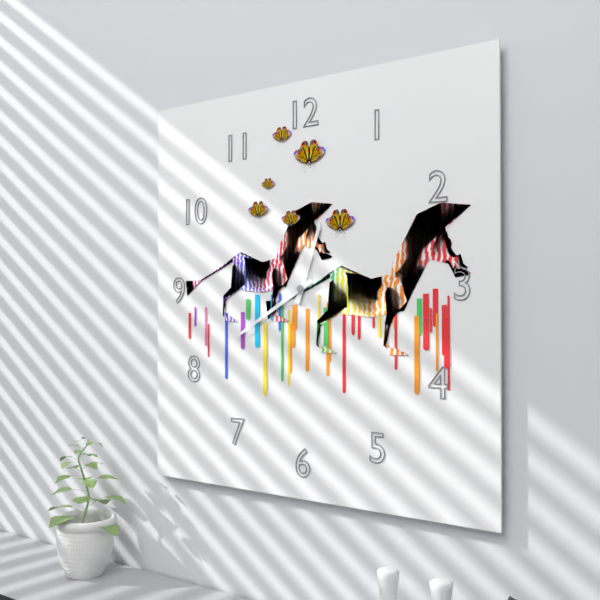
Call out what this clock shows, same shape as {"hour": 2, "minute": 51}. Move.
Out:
{"hour": 12, "minute": 40}
